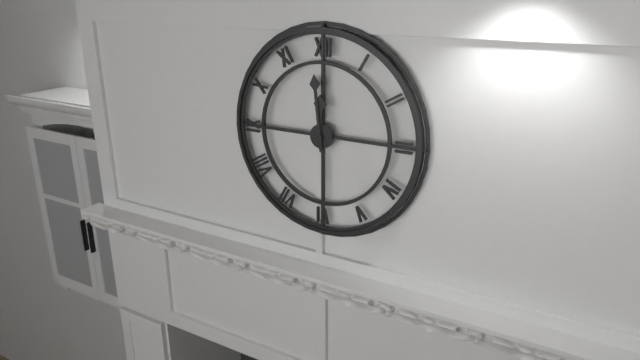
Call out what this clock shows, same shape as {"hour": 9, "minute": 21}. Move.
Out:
{"hour": 11, "minute": 59}
